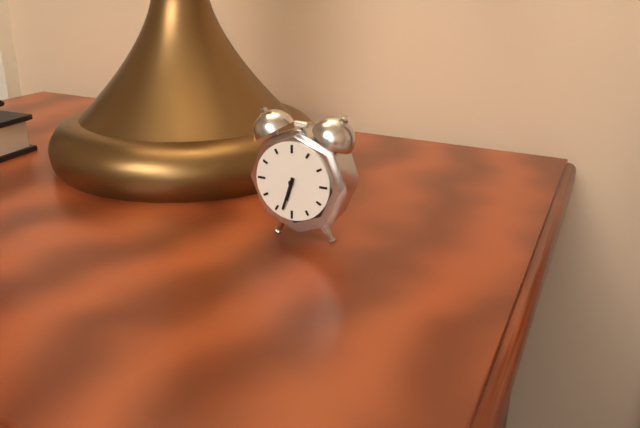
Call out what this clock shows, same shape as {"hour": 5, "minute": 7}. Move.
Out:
{"hour": 6, "minute": 33}
